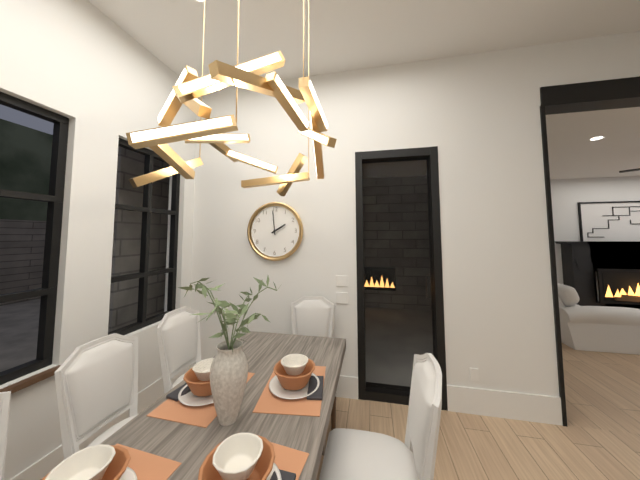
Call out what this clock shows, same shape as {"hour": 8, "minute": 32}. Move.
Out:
{"hour": 1, "minute": 59}
